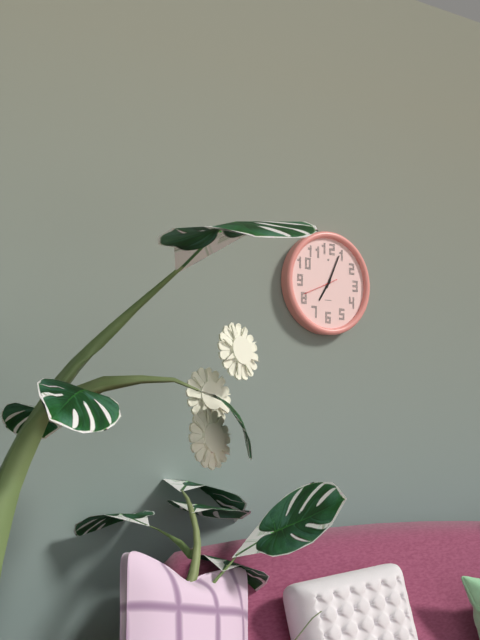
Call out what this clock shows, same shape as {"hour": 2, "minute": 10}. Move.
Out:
{"hour": 7, "minute": 4}
